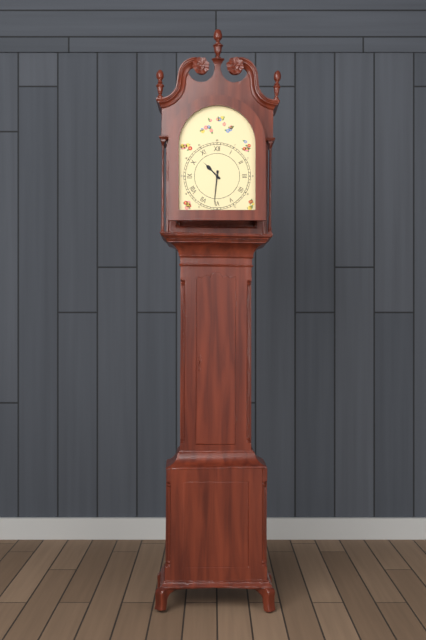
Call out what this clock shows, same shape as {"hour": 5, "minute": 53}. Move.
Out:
{"hour": 10, "minute": 31}
